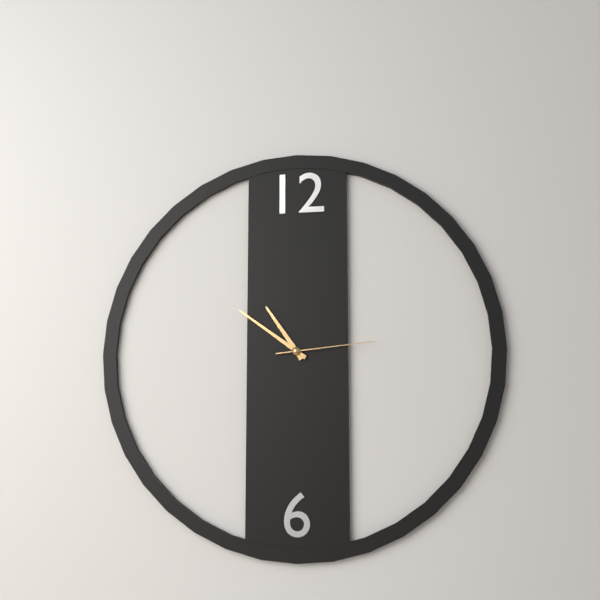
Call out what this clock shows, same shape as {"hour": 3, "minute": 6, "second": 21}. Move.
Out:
{"hour": 10, "minute": 51, "second": 14}
